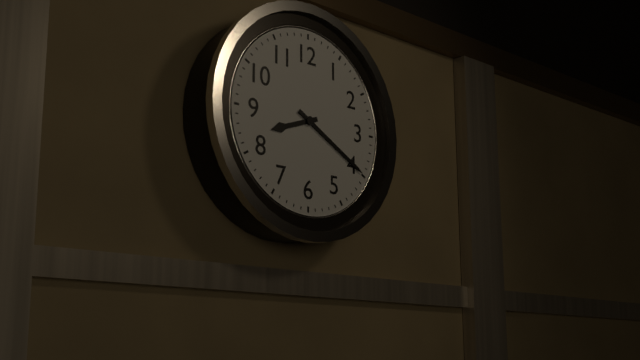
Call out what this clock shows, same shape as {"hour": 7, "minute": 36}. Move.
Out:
{"hour": 8, "minute": 20}
